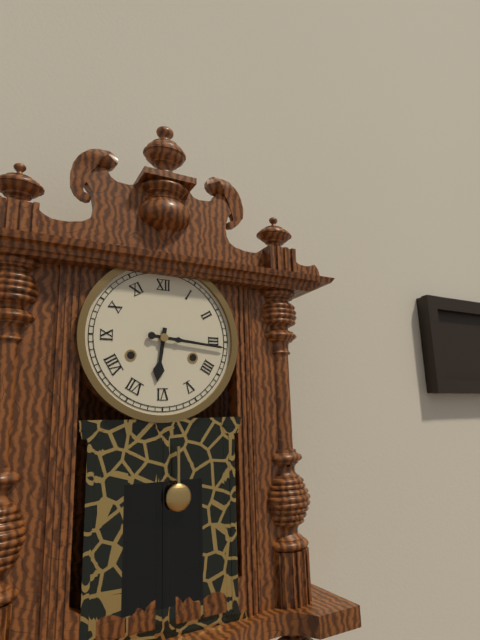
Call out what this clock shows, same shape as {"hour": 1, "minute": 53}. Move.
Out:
{"hour": 6, "minute": 16}
